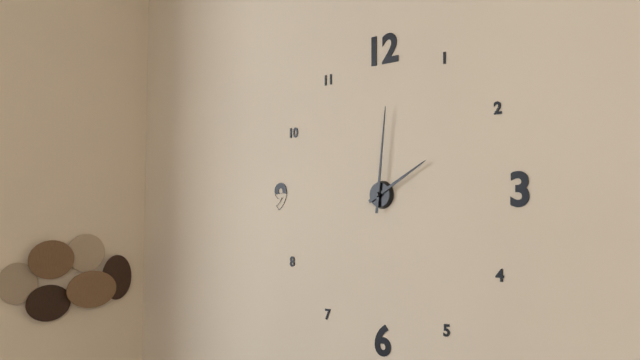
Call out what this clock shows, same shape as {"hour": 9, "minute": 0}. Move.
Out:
{"hour": 2, "minute": 1}
